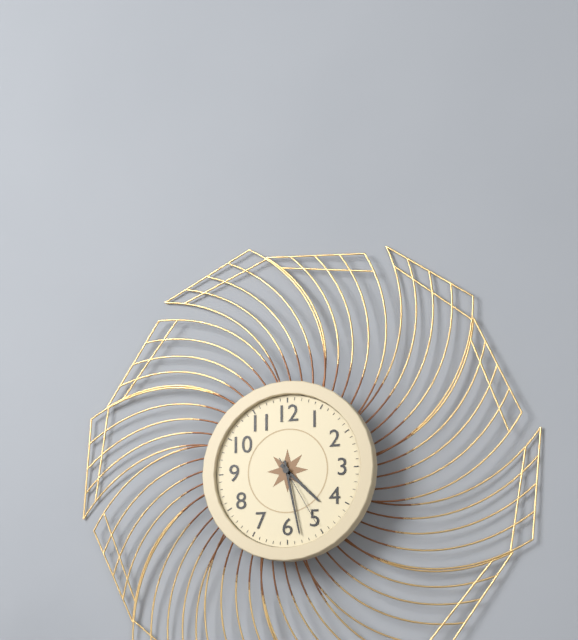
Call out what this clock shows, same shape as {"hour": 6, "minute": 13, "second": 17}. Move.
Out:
{"hour": 4, "minute": 28, "second": 25}
